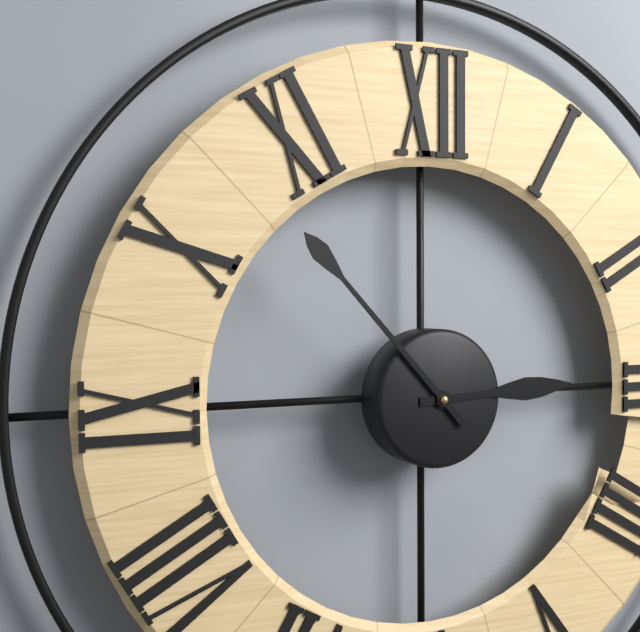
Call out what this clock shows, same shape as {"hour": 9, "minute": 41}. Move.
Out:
{"hour": 2, "minute": 53}
